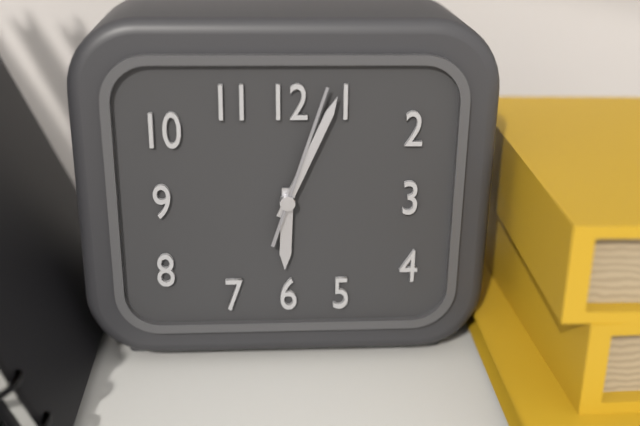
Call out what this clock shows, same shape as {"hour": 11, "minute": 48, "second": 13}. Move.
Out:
{"hour": 6, "minute": 4, "second": 3}
